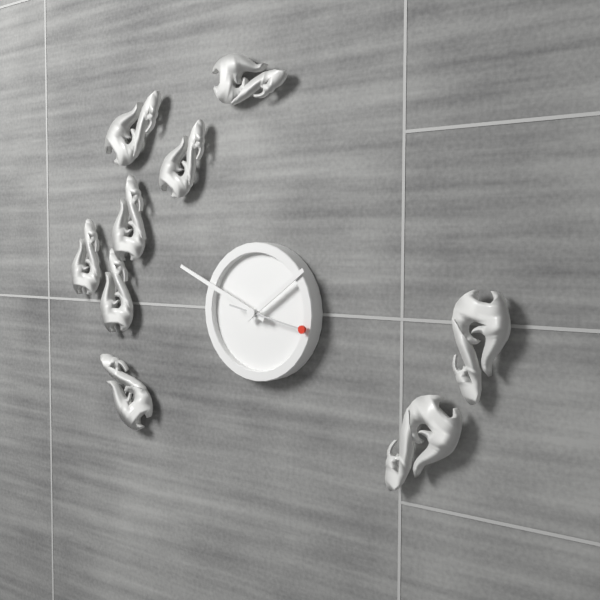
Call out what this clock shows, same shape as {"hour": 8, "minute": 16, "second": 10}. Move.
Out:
{"hour": 1, "minute": 49, "second": 17}
